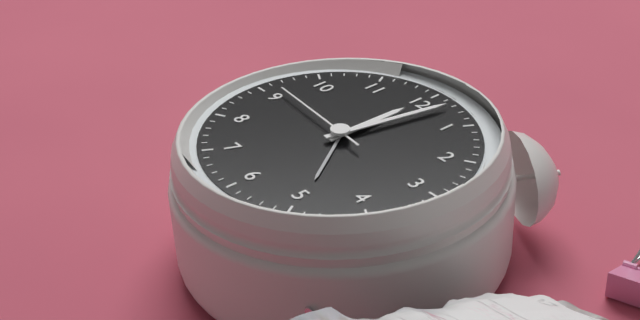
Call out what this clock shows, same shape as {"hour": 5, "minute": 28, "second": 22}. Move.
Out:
{"hour": 12, "minute": 2, "second": 46}
